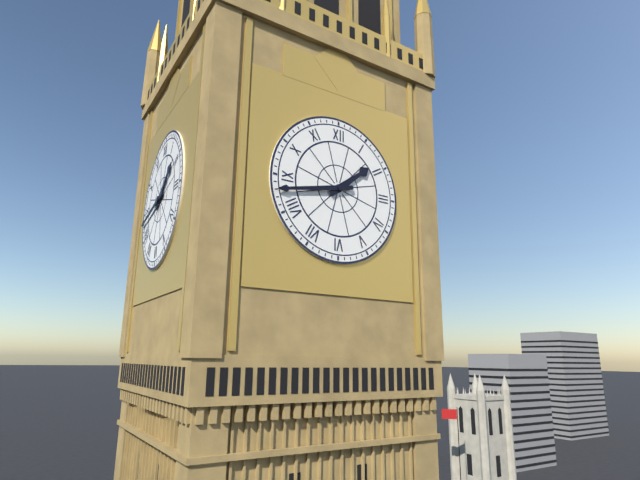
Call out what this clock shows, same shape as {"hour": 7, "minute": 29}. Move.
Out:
{"hour": 1, "minute": 43}
